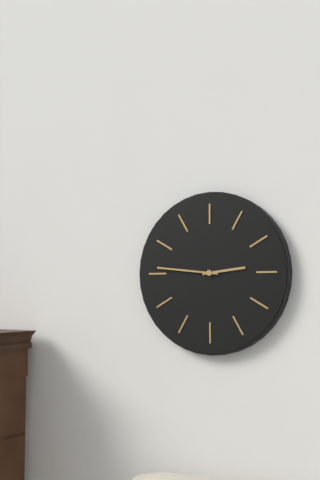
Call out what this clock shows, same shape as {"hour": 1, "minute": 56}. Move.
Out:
{"hour": 2, "minute": 46}
